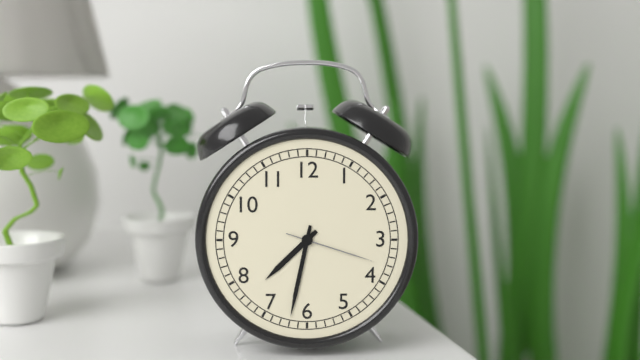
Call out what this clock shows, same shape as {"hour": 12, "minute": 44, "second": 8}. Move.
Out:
{"hour": 7, "minute": 32, "second": 18}
